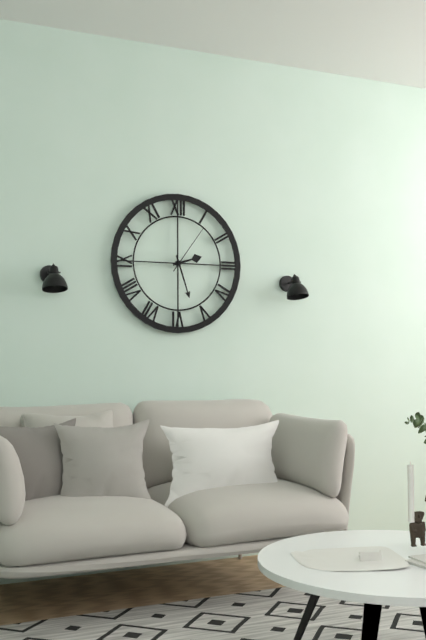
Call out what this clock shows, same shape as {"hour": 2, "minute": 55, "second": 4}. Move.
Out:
{"hour": 2, "minute": 27, "second": 6}
